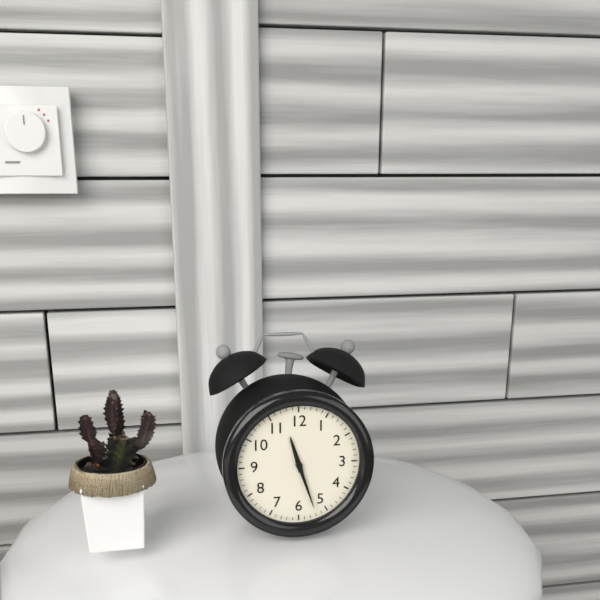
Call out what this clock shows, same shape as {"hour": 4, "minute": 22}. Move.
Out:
{"hour": 11, "minute": 27}
